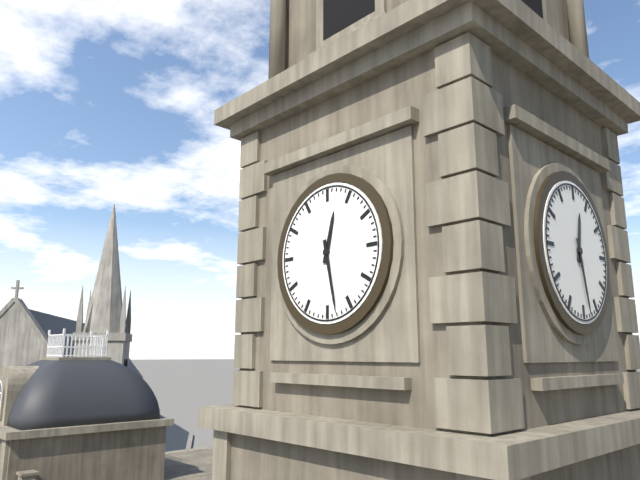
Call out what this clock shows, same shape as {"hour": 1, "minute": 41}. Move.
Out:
{"hour": 12, "minute": 28}
